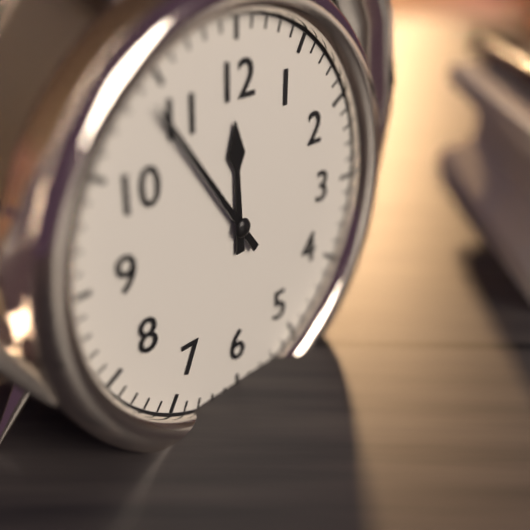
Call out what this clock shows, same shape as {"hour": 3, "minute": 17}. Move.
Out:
{"hour": 11, "minute": 54}
